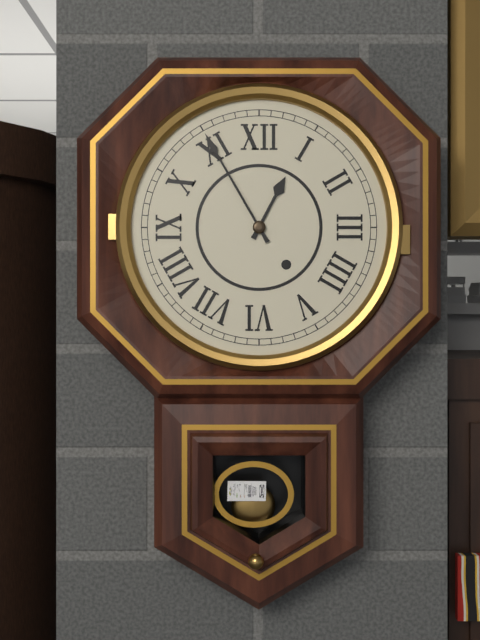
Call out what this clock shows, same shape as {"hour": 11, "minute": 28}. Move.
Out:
{"hour": 12, "minute": 55}
